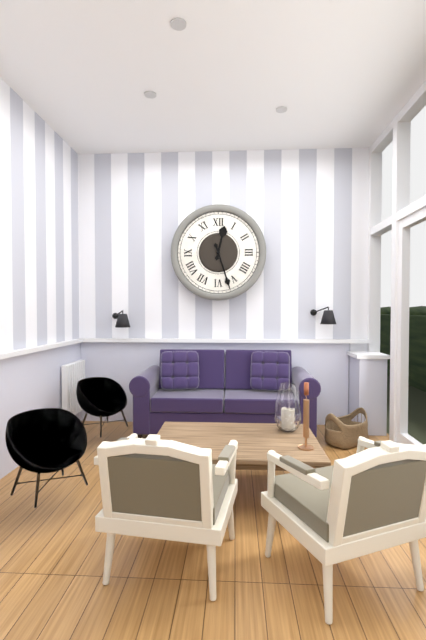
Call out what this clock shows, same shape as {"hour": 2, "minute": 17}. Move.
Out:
{"hour": 12, "minute": 27}
